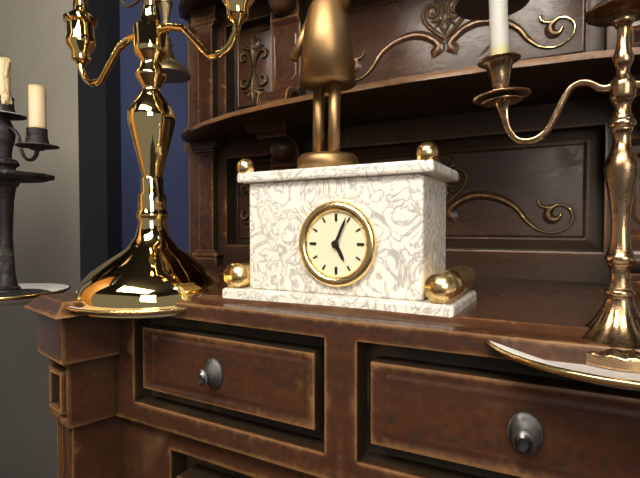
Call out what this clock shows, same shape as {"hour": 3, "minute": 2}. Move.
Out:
{"hour": 5, "minute": 4}
